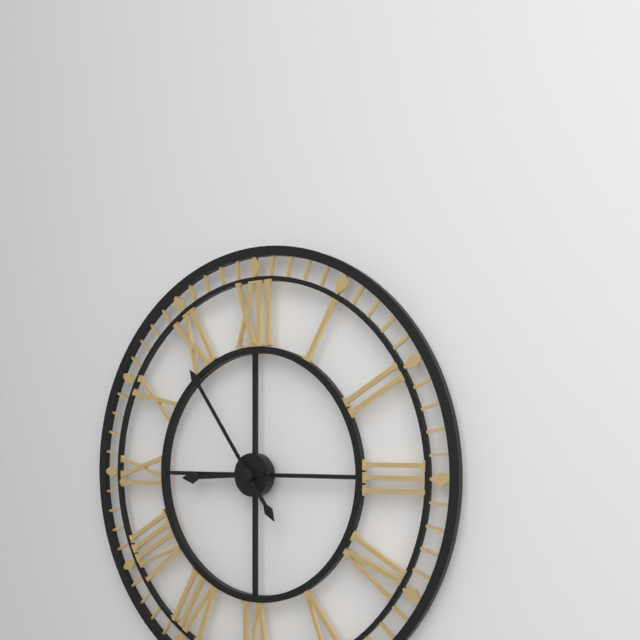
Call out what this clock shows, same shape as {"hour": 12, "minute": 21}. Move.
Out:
{"hour": 8, "minute": 54}
